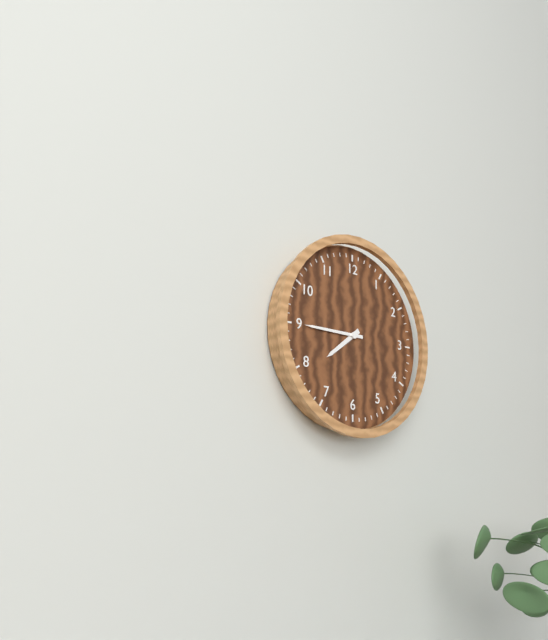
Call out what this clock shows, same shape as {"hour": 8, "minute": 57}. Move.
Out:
{"hour": 7, "minute": 45}
